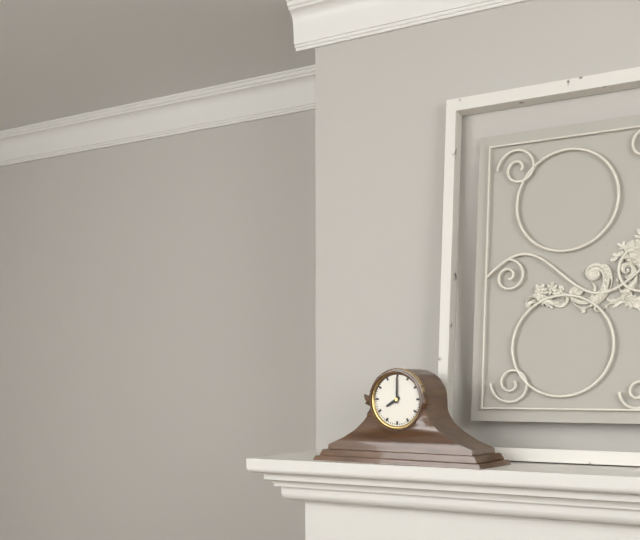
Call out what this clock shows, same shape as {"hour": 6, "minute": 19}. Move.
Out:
{"hour": 8, "minute": 0}
